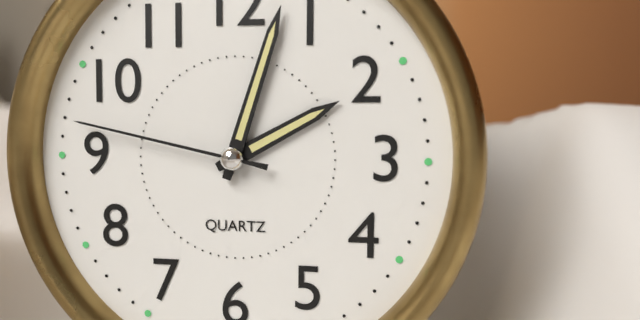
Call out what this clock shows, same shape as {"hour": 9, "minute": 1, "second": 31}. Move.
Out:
{"hour": 2, "minute": 3, "second": 47}
